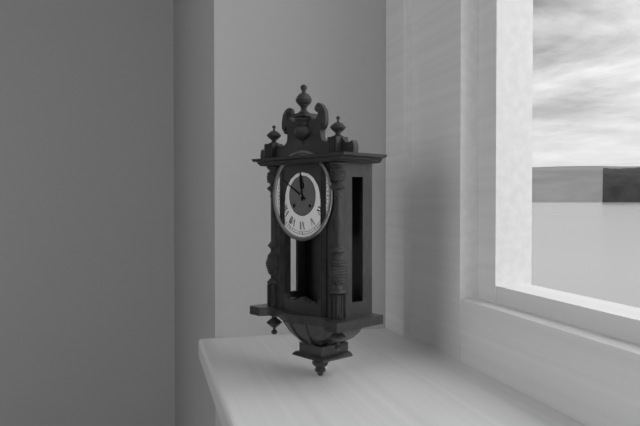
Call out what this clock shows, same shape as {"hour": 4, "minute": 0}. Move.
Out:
{"hour": 11, "minute": 50}
